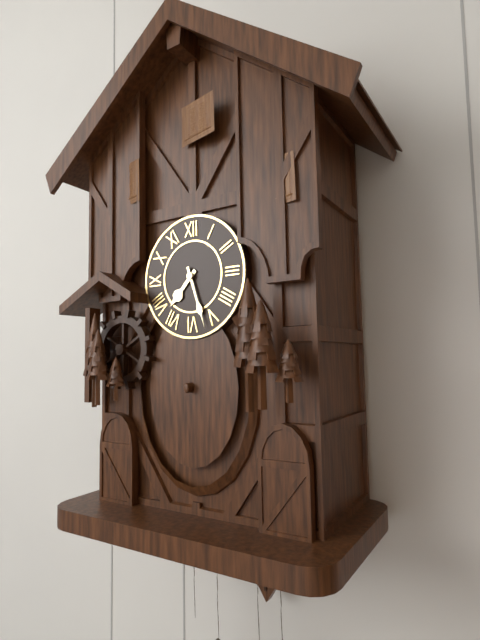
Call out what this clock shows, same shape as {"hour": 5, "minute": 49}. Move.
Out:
{"hour": 7, "minute": 27}
